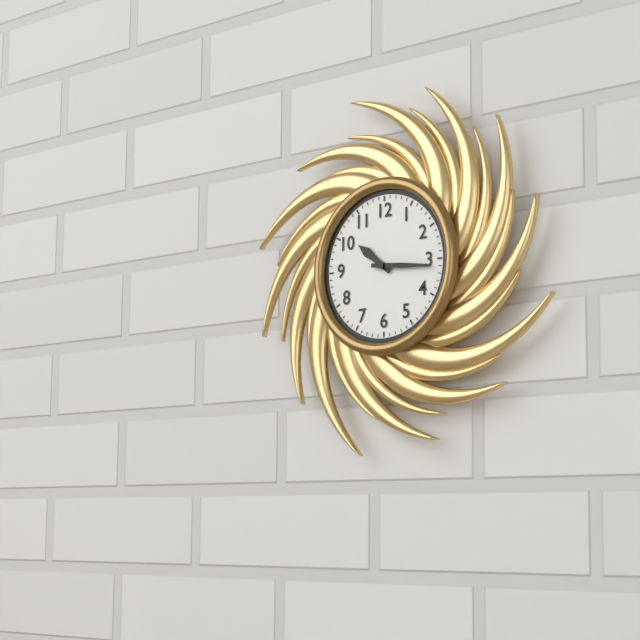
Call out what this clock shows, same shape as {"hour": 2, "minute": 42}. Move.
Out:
{"hour": 10, "minute": 16}
